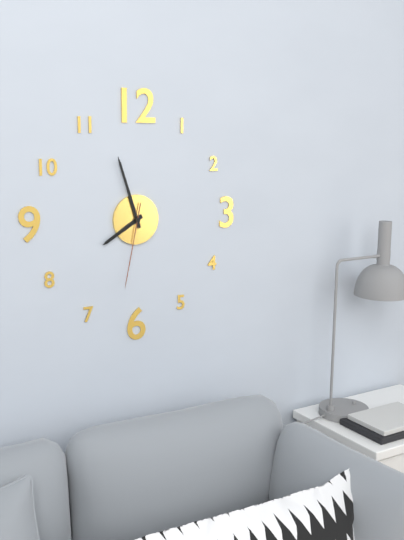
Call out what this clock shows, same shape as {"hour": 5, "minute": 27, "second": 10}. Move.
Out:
{"hour": 7, "minute": 57, "second": 32}
